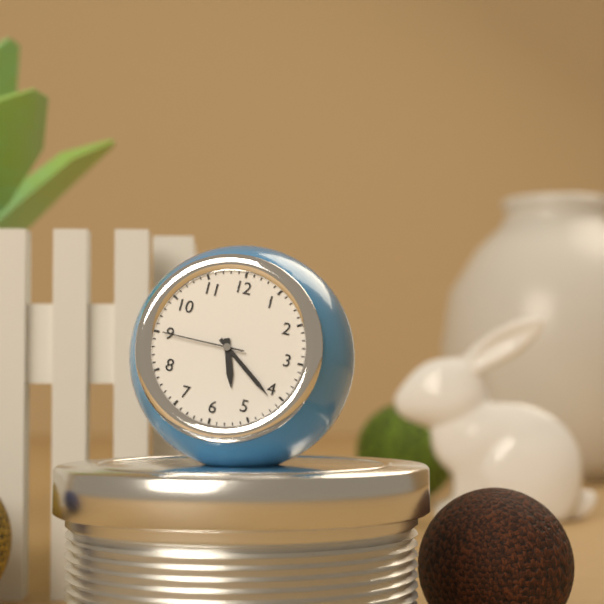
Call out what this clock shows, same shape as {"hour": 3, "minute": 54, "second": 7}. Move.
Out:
{"hour": 5, "minute": 21, "second": 45}
